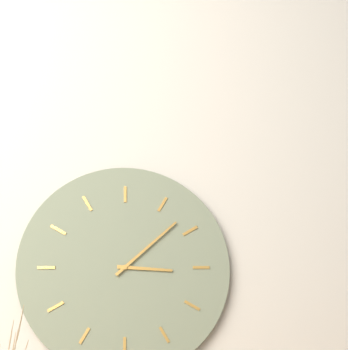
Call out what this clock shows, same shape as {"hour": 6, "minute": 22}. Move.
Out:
{"hour": 3, "minute": 8}
